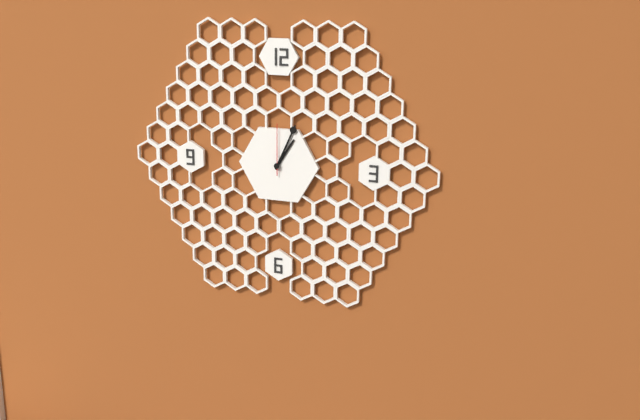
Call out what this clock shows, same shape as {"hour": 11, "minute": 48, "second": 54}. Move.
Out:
{"hour": 1, "minute": 4, "second": 0}
